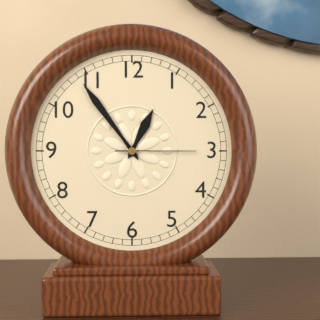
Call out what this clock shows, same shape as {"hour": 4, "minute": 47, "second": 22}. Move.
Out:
{"hour": 12, "minute": 54, "second": 15}
